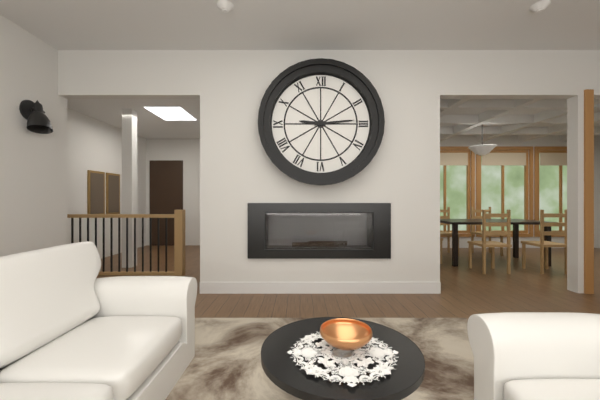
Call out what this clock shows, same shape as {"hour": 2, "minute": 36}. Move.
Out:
{"hour": 9, "minute": 14}
